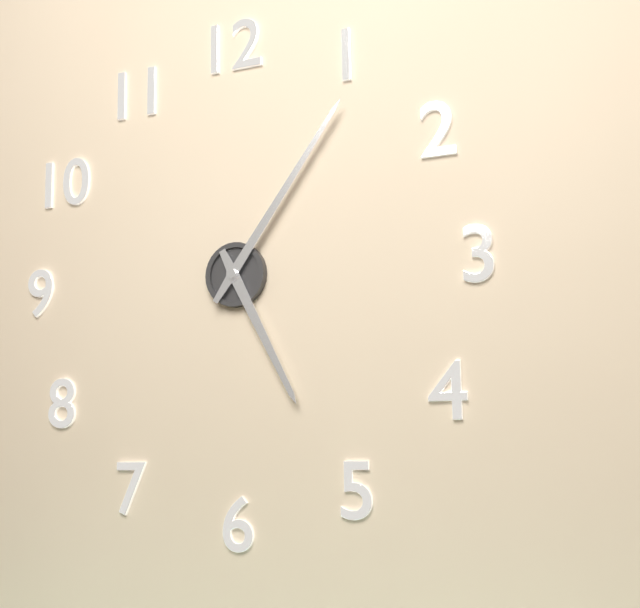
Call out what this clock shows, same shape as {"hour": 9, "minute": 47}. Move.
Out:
{"hour": 5, "minute": 6}
